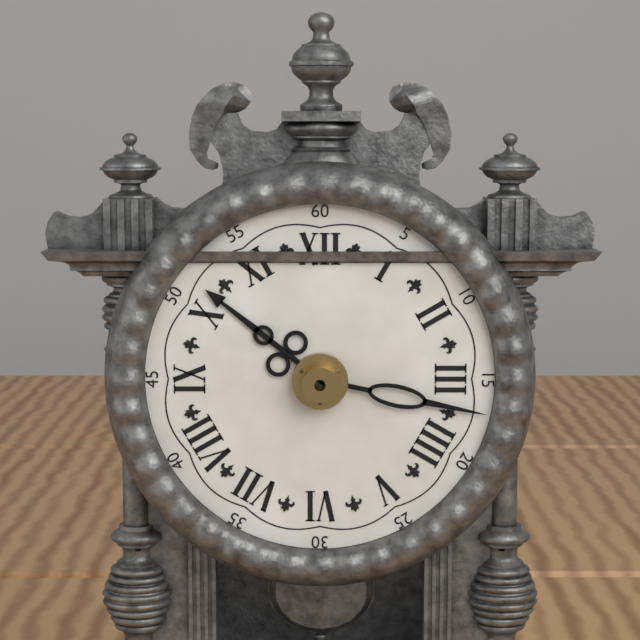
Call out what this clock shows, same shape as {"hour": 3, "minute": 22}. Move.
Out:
{"hour": 10, "minute": 17}
